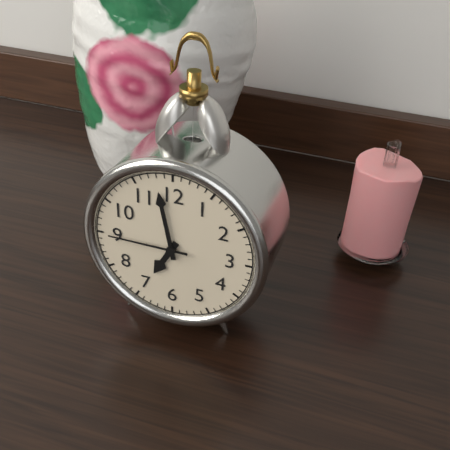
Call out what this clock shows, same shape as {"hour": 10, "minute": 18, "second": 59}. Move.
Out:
{"hour": 6, "minute": 58, "second": 45}
